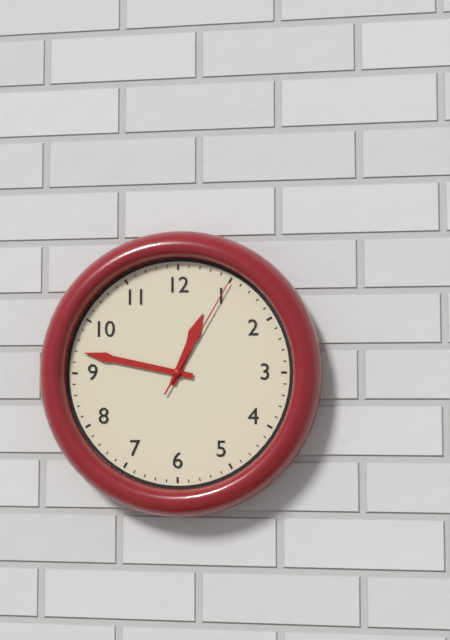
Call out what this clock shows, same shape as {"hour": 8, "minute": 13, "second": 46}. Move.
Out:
{"hour": 12, "minute": 47, "second": 5}
